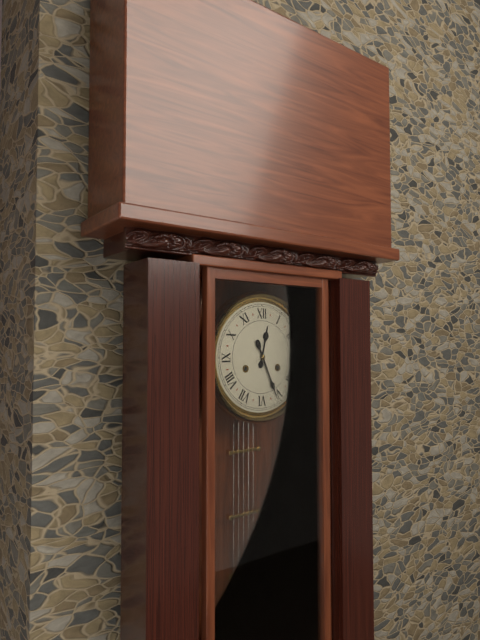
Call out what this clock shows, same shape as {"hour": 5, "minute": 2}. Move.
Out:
{"hour": 12, "minute": 26}
